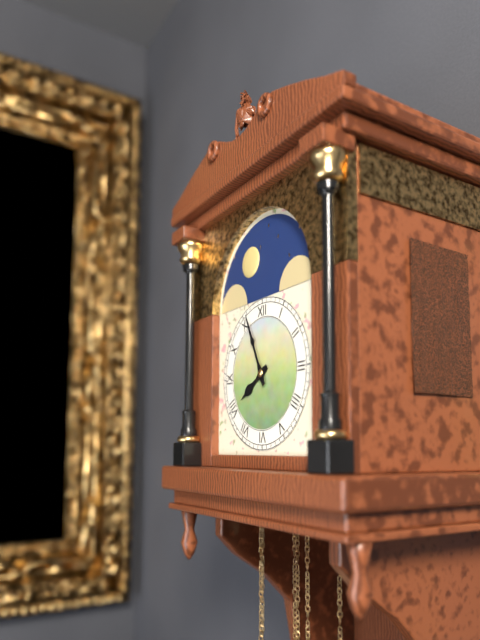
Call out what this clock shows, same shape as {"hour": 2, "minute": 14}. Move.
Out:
{"hour": 7, "minute": 56}
